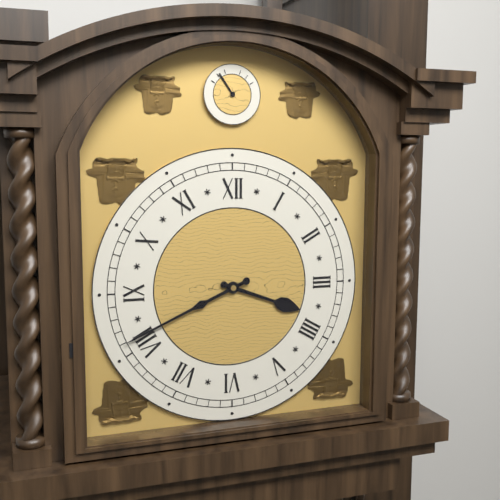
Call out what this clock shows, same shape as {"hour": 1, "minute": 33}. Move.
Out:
{"hour": 3, "minute": 41}
